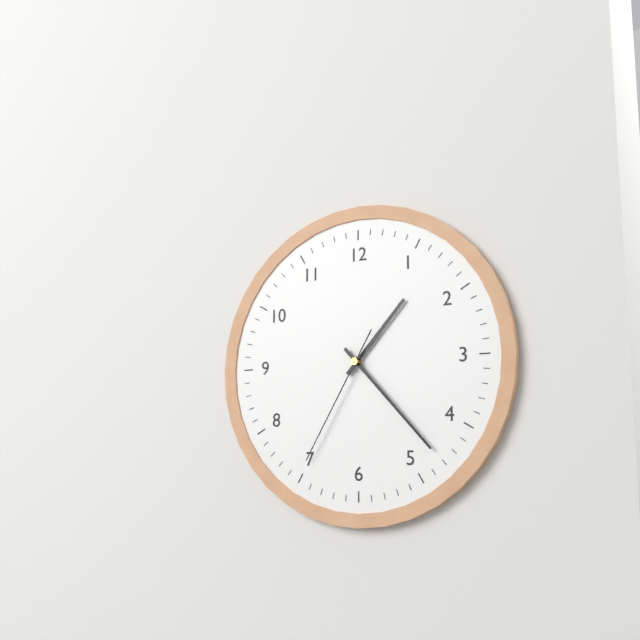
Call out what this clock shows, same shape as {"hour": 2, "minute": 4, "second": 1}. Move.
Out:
{"hour": 1, "minute": 23, "second": 35}
